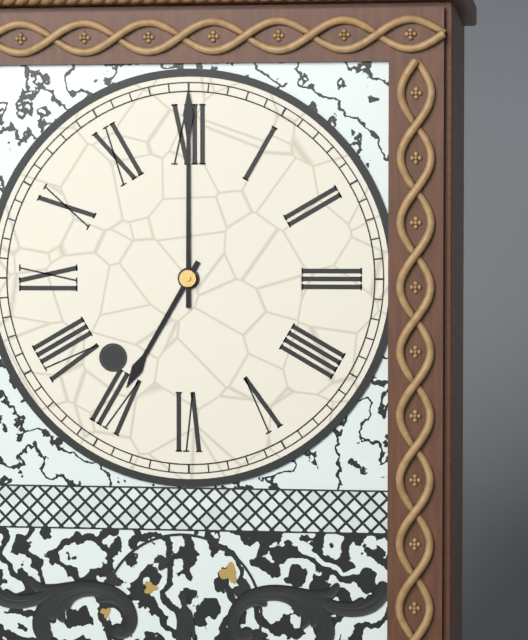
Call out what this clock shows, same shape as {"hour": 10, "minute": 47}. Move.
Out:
{"hour": 7, "minute": 0}
